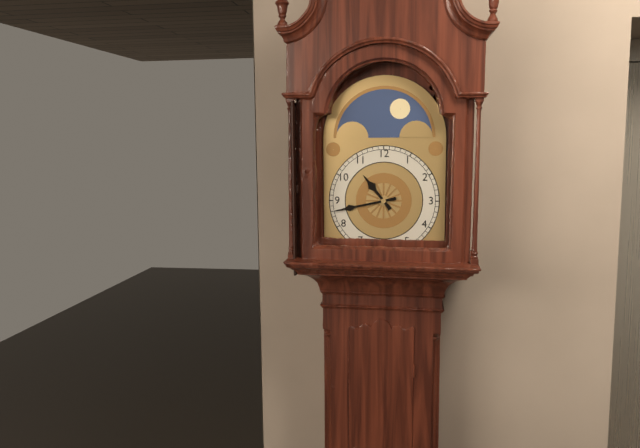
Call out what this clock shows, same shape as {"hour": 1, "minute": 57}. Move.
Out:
{"hour": 10, "minute": 43}
